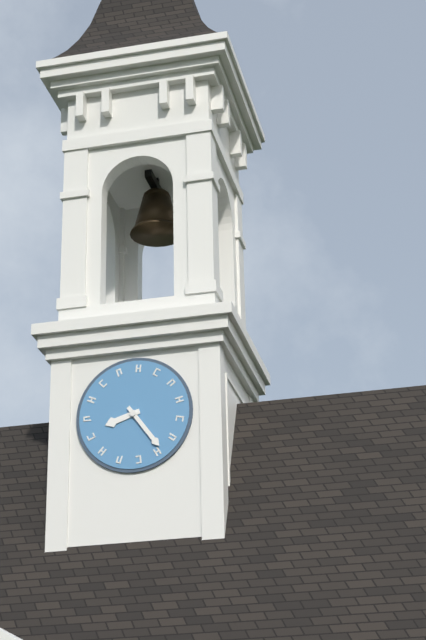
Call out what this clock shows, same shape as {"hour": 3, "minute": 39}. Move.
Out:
{"hour": 8, "minute": 24}
